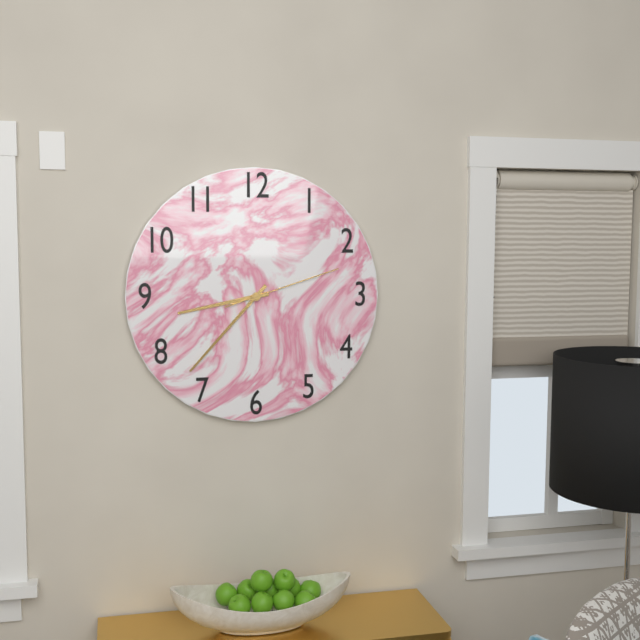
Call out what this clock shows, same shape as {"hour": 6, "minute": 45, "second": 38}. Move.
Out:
{"hour": 8, "minute": 37, "second": 12}
